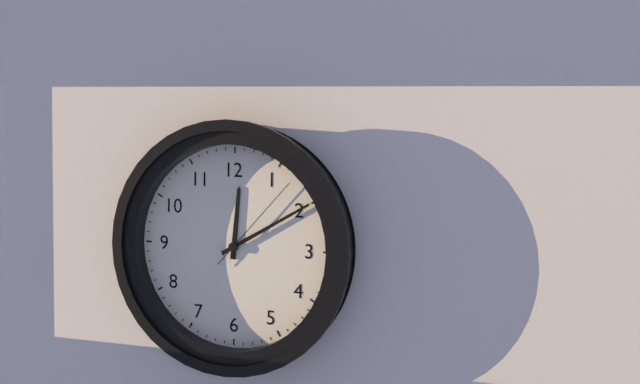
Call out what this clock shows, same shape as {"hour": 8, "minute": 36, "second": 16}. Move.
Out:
{"hour": 12, "minute": 10, "second": 7}
